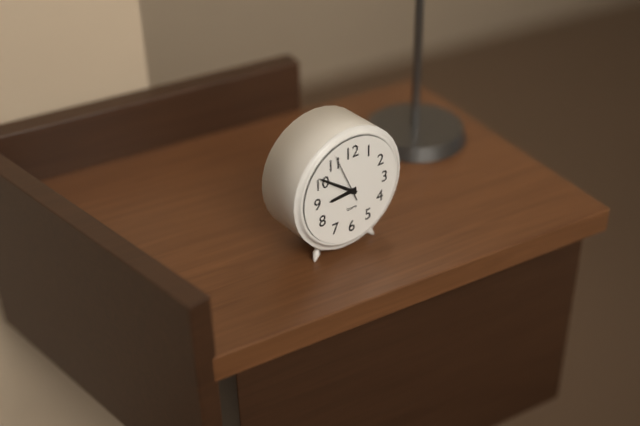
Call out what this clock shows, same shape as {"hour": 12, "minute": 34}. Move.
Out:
{"hour": 8, "minute": 51}
